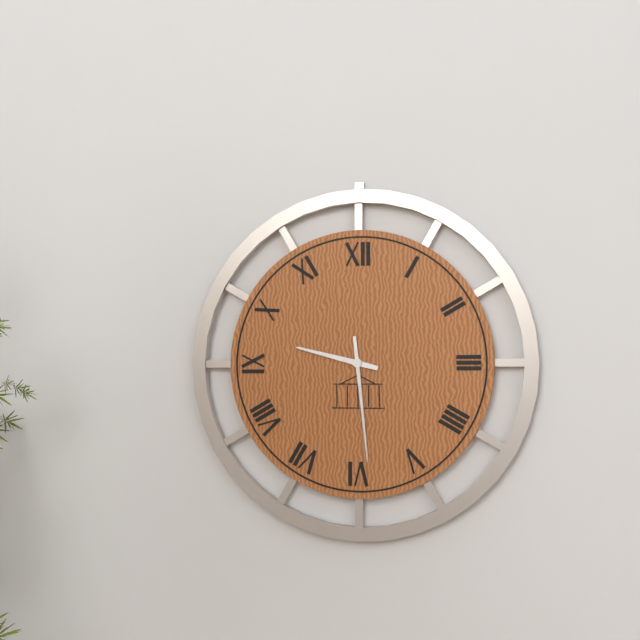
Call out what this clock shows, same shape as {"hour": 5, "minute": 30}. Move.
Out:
{"hour": 9, "minute": 29}
